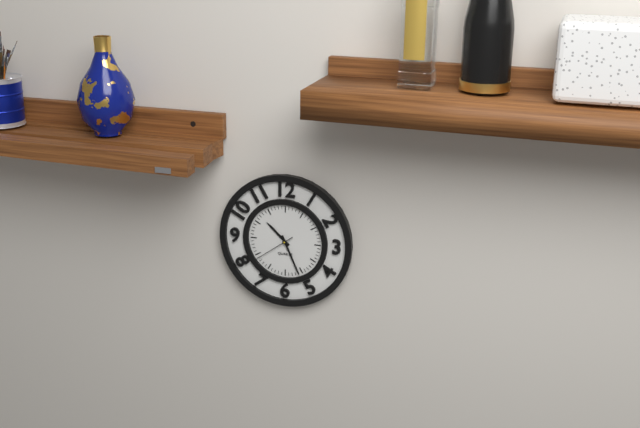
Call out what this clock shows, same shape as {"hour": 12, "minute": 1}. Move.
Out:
{"hour": 10, "minute": 26}
